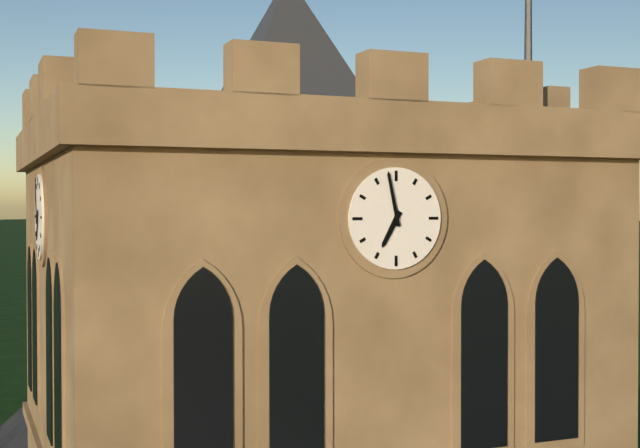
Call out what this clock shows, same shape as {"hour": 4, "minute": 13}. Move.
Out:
{"hour": 6, "minute": 58}
